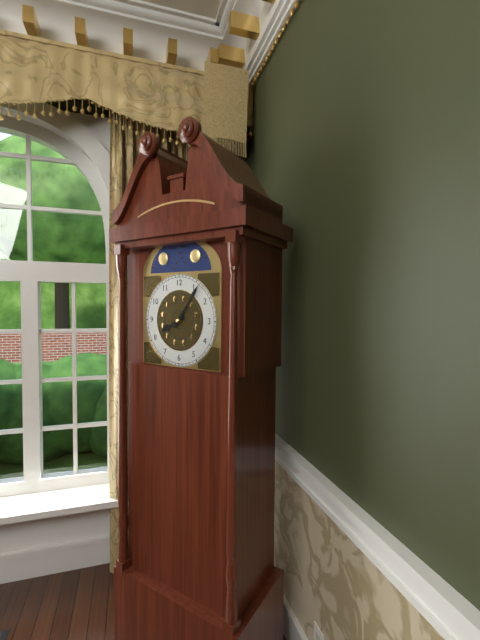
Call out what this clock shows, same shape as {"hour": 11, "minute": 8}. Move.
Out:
{"hour": 8, "minute": 6}
